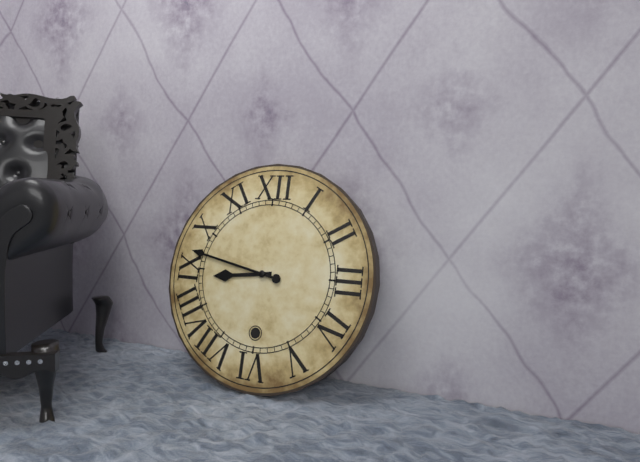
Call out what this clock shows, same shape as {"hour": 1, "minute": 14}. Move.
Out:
{"hour": 8, "minute": 47}
